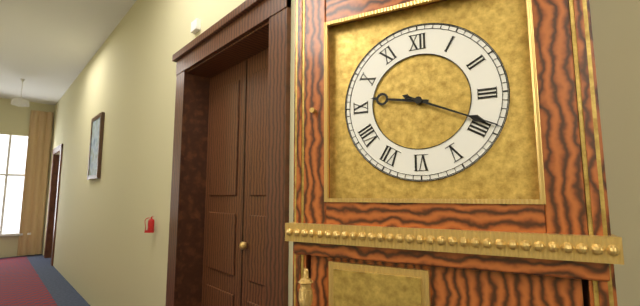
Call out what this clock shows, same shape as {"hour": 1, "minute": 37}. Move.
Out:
{"hour": 9, "minute": 19}
